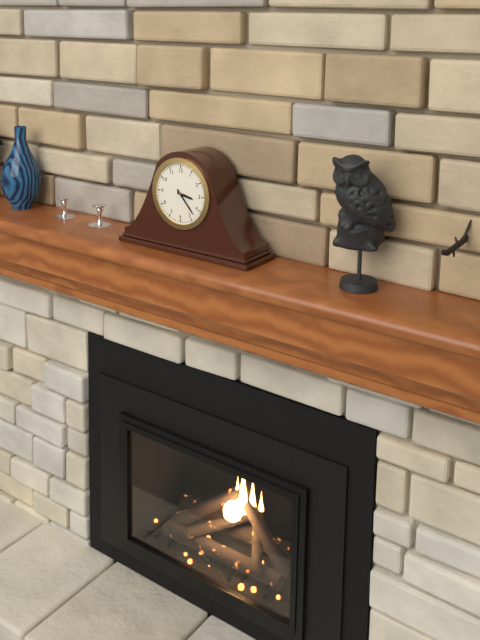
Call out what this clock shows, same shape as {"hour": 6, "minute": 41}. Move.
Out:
{"hour": 3, "minute": 23}
